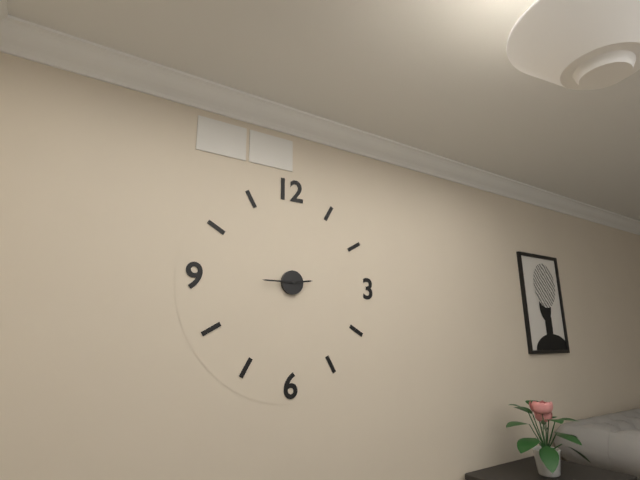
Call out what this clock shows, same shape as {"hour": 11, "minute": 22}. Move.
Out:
{"hour": 2, "minute": 45}
